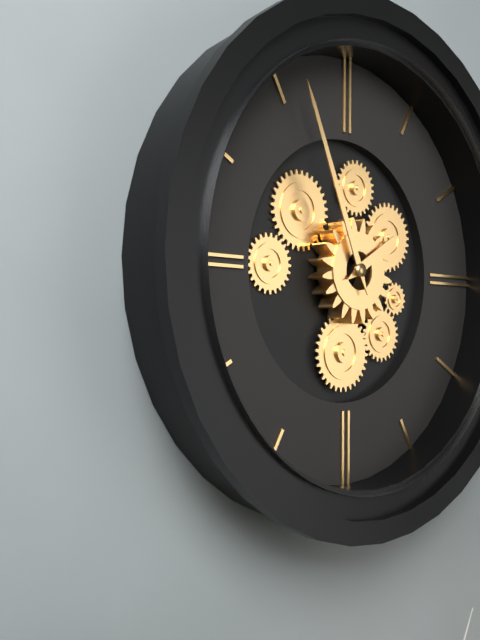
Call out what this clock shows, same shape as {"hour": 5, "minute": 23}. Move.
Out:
{"hour": 1, "minute": 56}
